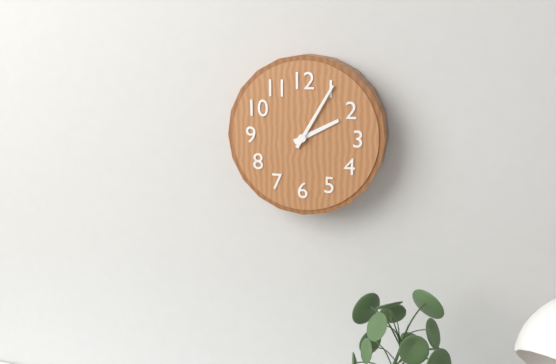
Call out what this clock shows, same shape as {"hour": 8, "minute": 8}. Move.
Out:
{"hour": 2, "minute": 5}
